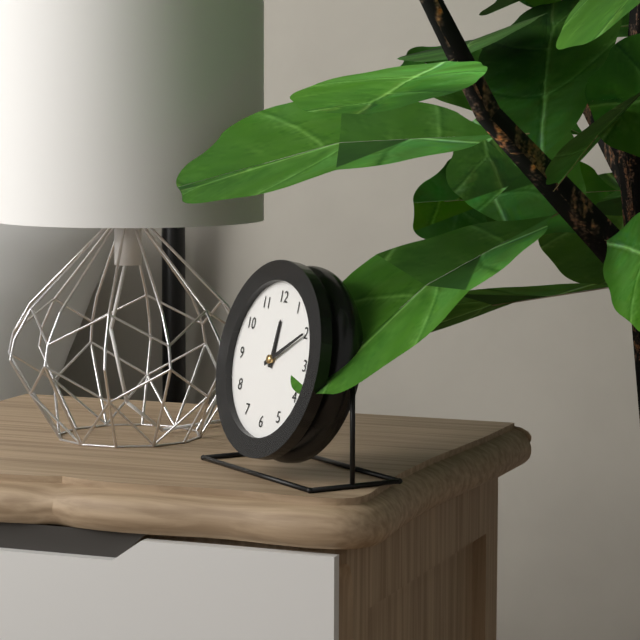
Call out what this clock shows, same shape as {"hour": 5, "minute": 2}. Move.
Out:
{"hour": 12, "minute": 10}
